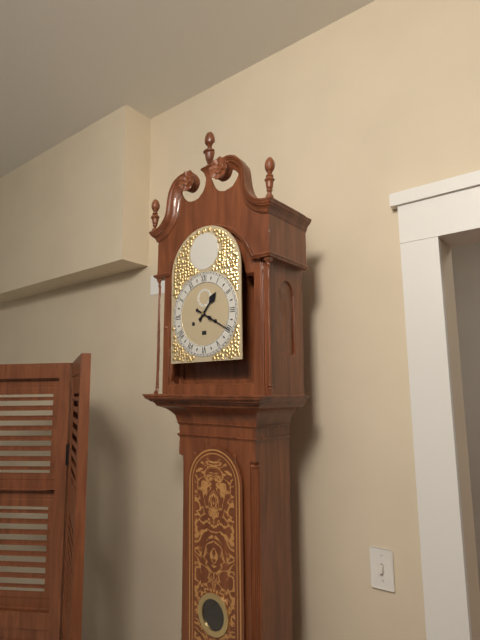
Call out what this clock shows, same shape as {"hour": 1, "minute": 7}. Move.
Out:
{"hour": 1, "minute": 20}
